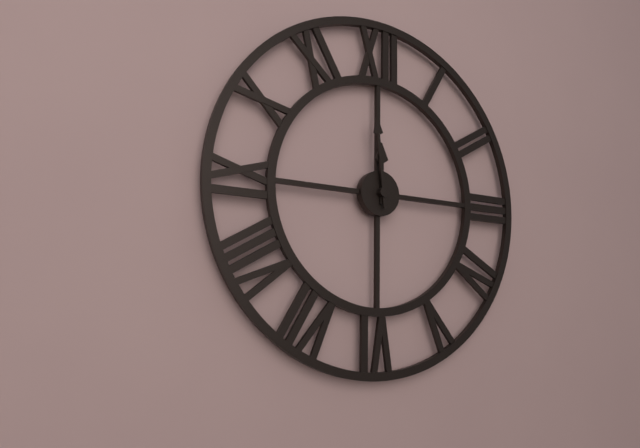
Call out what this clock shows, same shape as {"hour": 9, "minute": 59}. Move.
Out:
{"hour": 11, "minute": 59}
